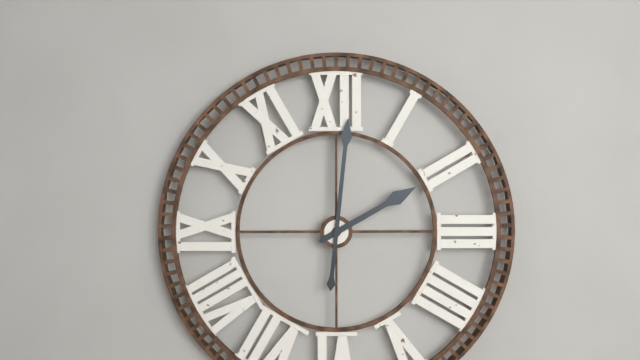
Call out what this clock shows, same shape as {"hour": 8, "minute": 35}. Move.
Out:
{"hour": 2, "minute": 1}
